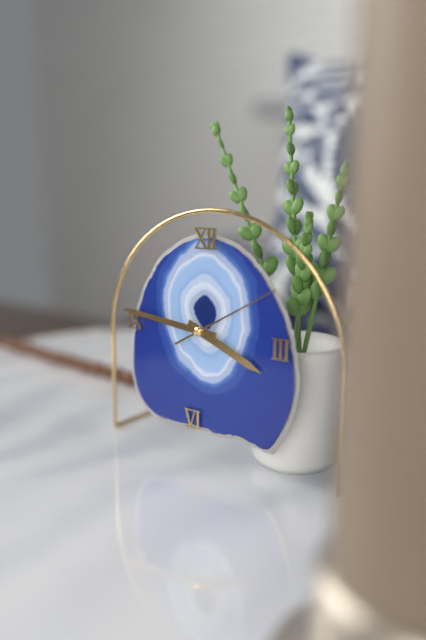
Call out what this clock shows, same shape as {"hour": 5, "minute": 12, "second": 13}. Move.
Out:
{"hour": 3, "minute": 46, "second": 10}
